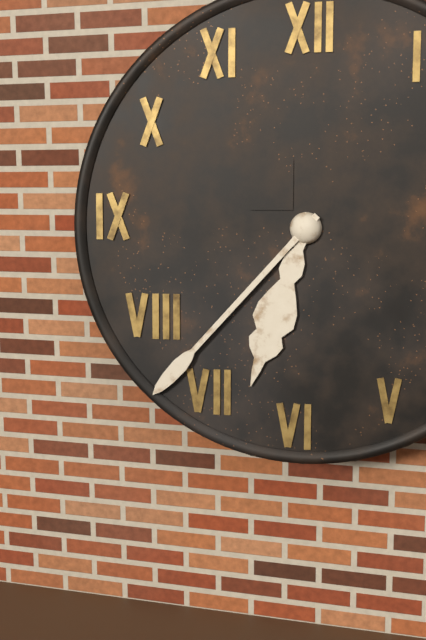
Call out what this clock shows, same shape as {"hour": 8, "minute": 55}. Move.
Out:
{"hour": 6, "minute": 37}
